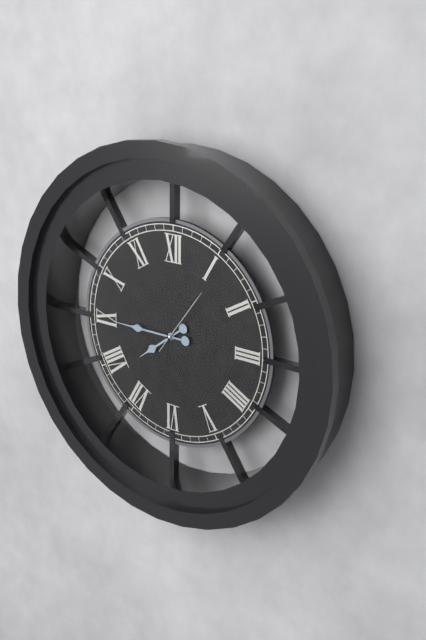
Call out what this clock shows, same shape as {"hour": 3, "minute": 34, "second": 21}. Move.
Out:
{"hour": 7, "minute": 45, "second": 6}
